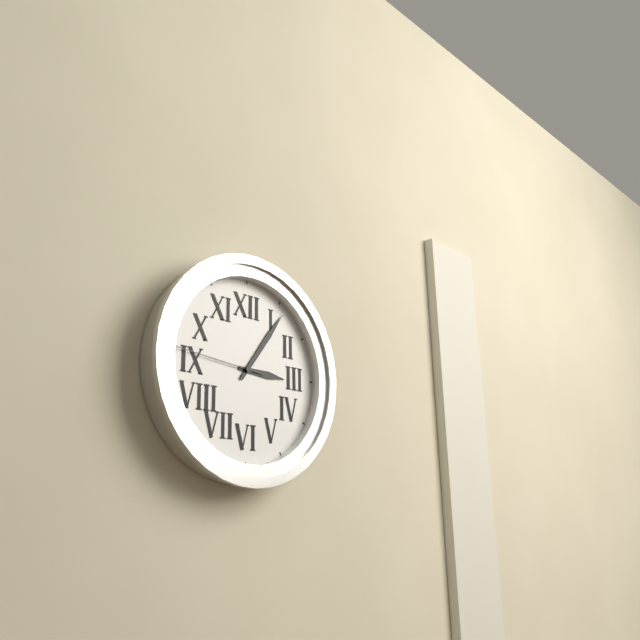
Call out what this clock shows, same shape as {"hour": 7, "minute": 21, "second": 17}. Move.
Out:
{"hour": 3, "minute": 6, "second": 46}
